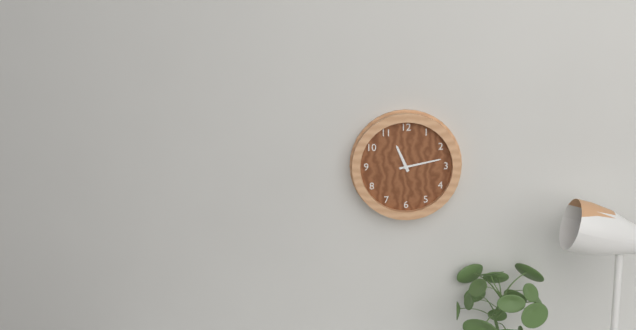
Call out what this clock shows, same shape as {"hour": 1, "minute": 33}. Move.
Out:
{"hour": 11, "minute": 13}
